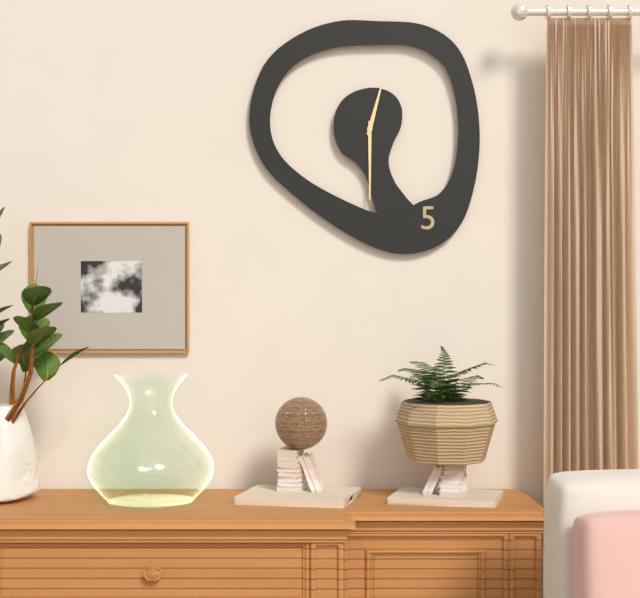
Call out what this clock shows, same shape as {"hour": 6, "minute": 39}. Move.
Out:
{"hour": 12, "minute": 30}
